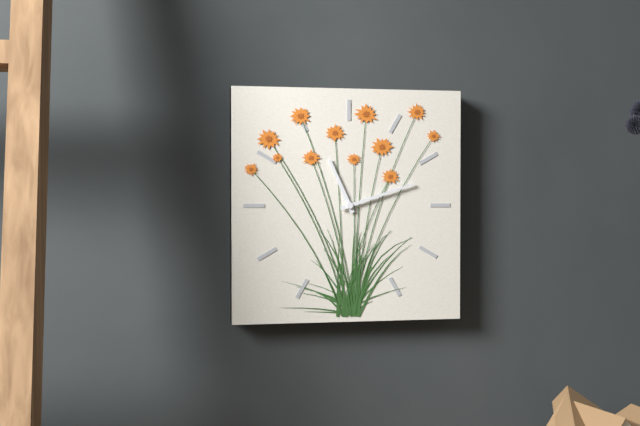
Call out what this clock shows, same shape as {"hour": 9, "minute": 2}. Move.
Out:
{"hour": 11, "minute": 12}
